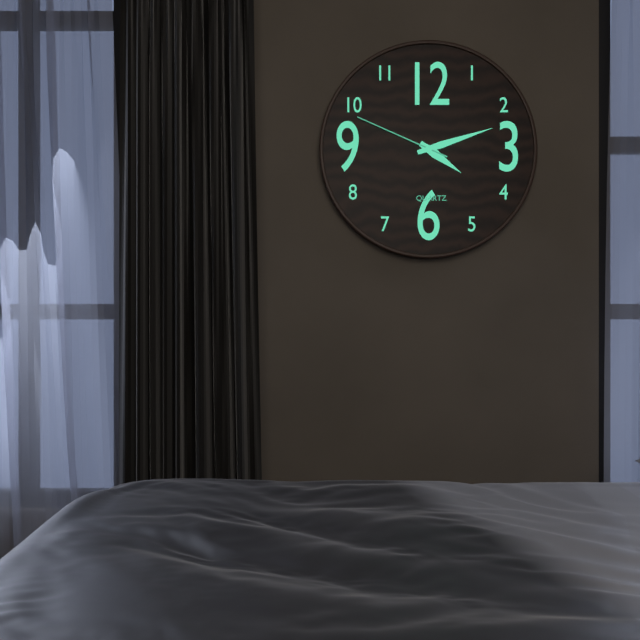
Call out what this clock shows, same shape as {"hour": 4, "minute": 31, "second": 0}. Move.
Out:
{"hour": 4, "minute": 12, "second": 49}
